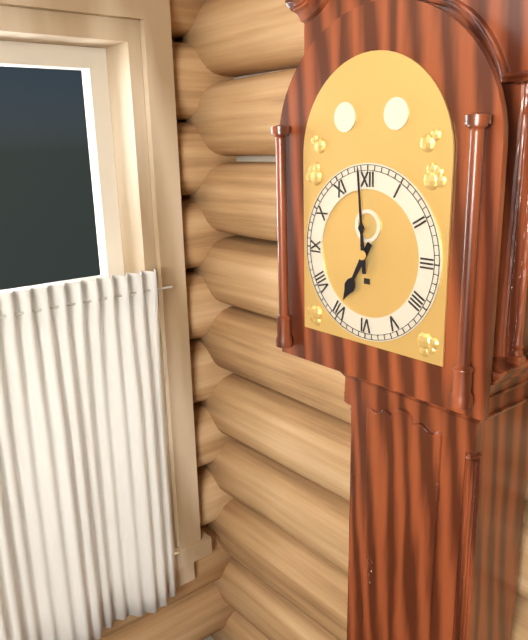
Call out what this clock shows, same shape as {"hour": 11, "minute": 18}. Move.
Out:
{"hour": 6, "minute": 59}
